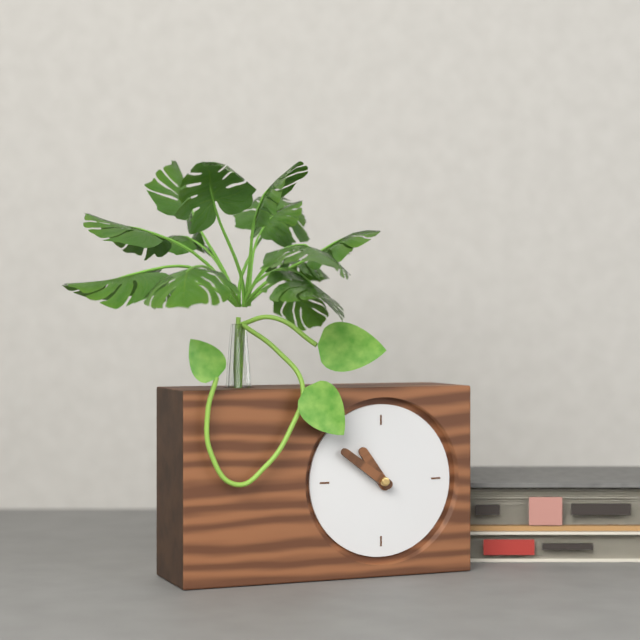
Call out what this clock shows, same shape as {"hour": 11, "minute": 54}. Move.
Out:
{"hour": 10, "minute": 51}
